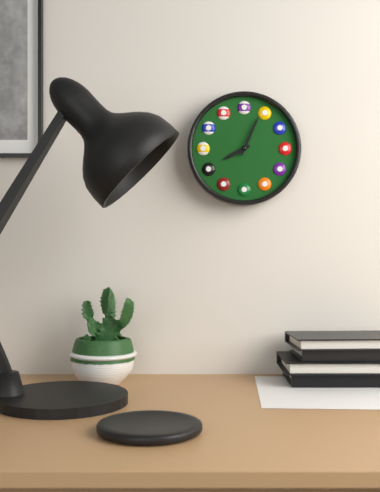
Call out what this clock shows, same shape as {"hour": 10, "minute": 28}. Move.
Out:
{"hour": 8, "minute": 4}
